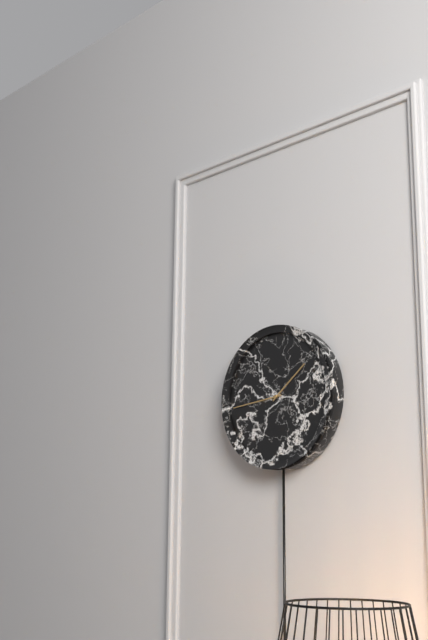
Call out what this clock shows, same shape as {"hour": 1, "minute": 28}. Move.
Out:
{"hour": 1, "minute": 44}
